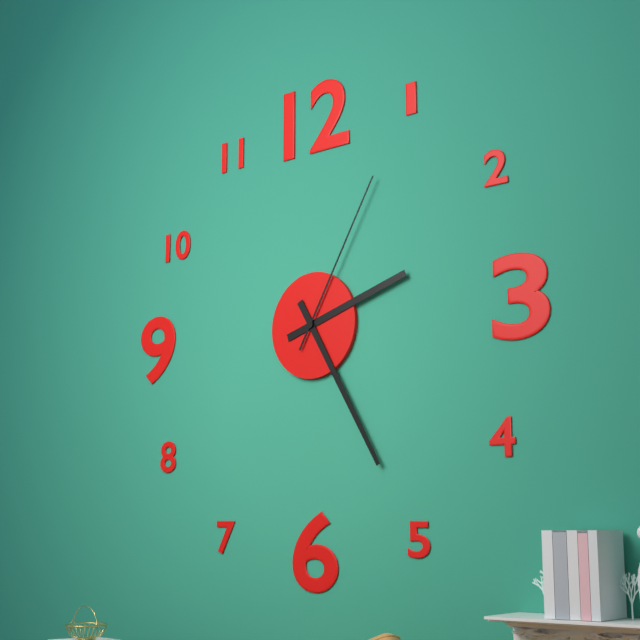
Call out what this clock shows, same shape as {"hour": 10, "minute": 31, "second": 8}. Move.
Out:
{"hour": 2, "minute": 25, "second": 5}
